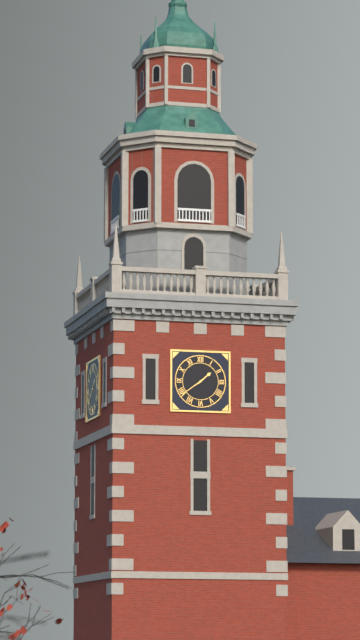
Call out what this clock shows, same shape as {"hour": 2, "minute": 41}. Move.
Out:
{"hour": 1, "minute": 39}
